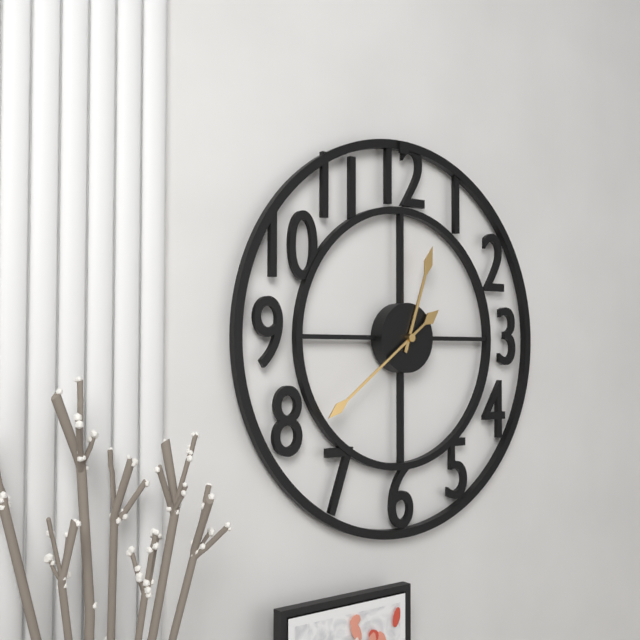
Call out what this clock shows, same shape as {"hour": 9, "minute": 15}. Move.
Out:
{"hour": 12, "minute": 39}
